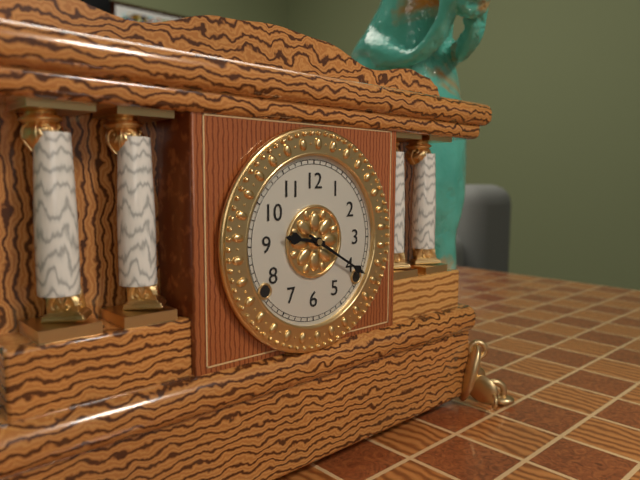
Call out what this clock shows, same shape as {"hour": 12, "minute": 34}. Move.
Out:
{"hour": 9, "minute": 20}
